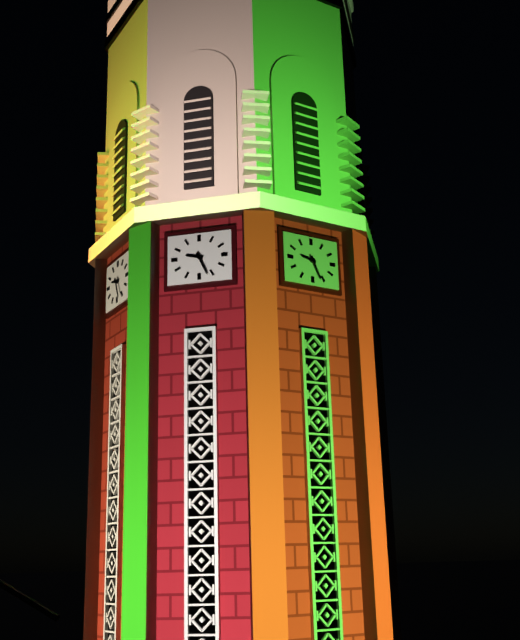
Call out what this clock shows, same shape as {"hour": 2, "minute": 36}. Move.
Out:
{"hour": 9, "minute": 26}
